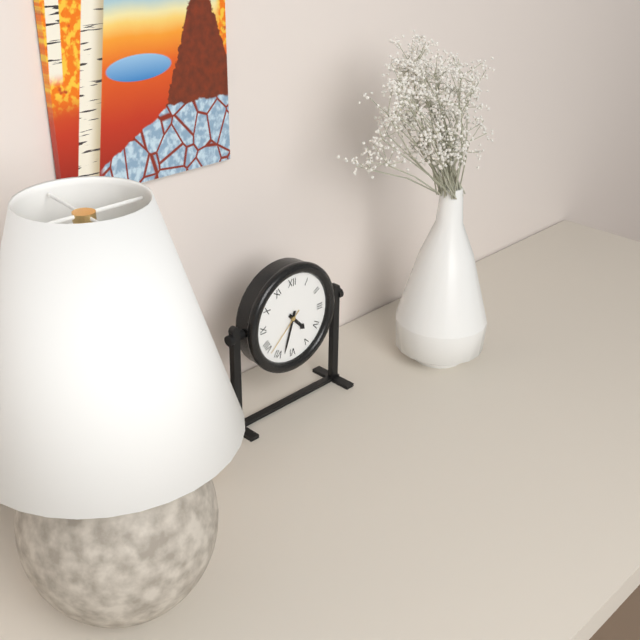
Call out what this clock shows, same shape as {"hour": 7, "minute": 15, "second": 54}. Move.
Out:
{"hour": 4, "minute": 33, "second": 38}
